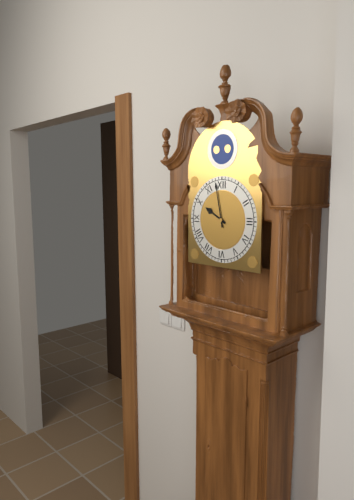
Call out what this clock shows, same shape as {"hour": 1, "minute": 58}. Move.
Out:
{"hour": 9, "minute": 58}
